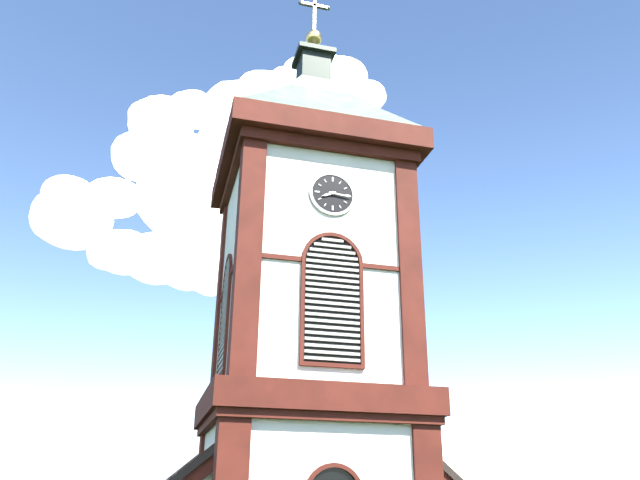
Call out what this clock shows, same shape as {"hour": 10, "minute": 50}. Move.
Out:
{"hour": 8, "minute": 16}
